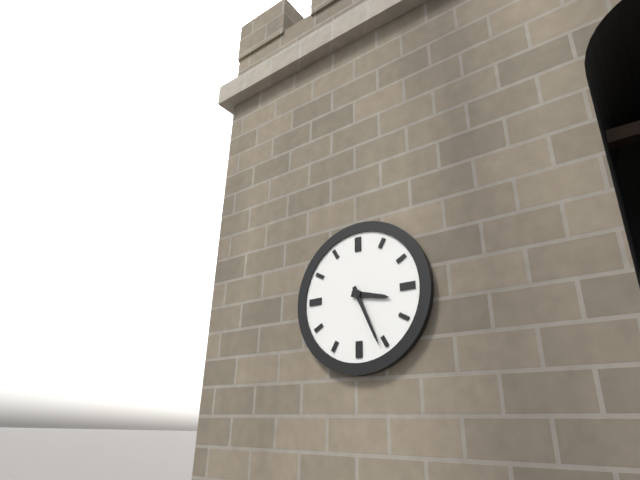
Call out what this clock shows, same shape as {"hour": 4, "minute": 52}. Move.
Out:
{"hour": 3, "minute": 26}
